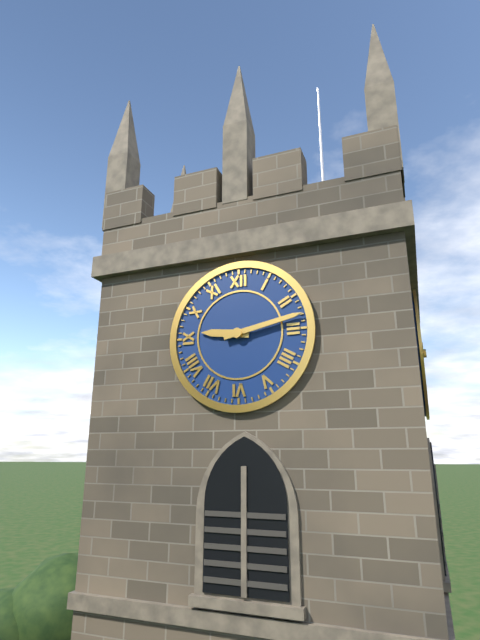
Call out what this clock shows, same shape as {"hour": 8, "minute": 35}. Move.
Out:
{"hour": 9, "minute": 13}
